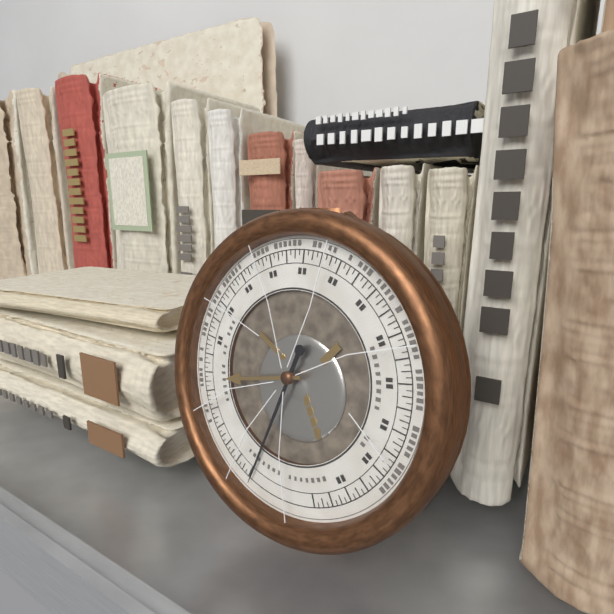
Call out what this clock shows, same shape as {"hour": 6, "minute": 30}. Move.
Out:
{"hour": 8, "minute": 33}
